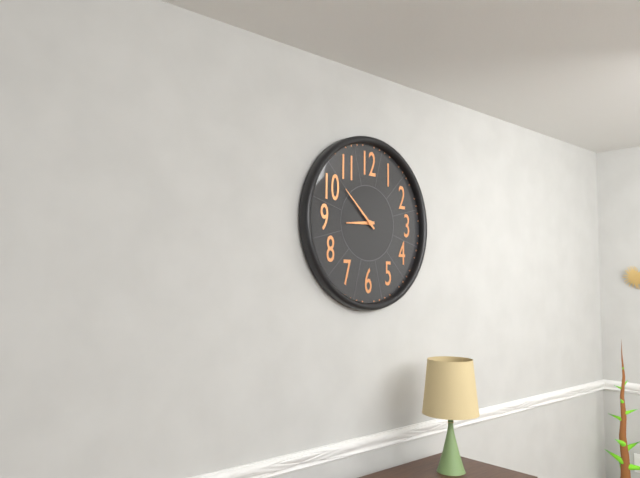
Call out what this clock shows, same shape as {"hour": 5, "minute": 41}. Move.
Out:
{"hour": 8, "minute": 52}
